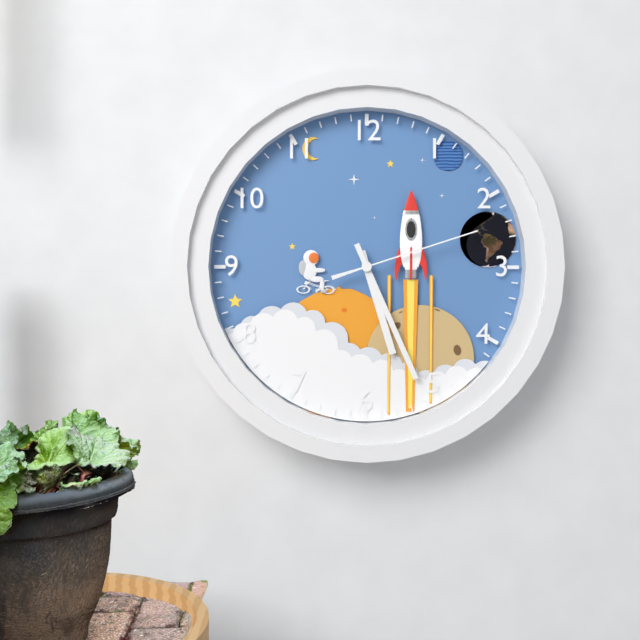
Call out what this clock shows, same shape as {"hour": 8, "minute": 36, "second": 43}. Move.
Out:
{"hour": 5, "minute": 26, "second": 12}
